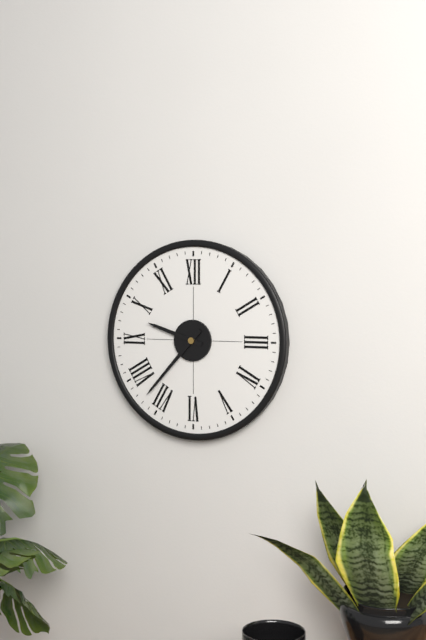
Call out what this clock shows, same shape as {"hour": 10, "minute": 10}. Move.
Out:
{"hour": 9, "minute": 37}
